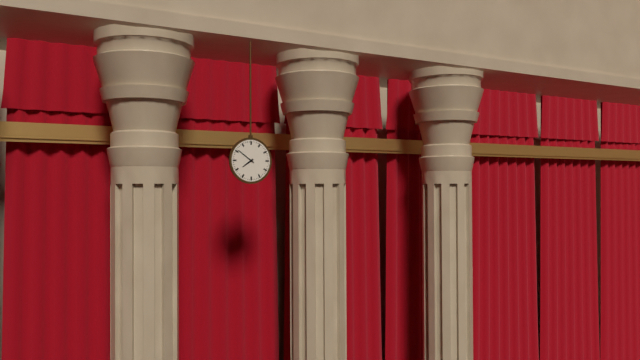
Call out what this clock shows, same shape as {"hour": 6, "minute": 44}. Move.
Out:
{"hour": 7, "minute": 51}
